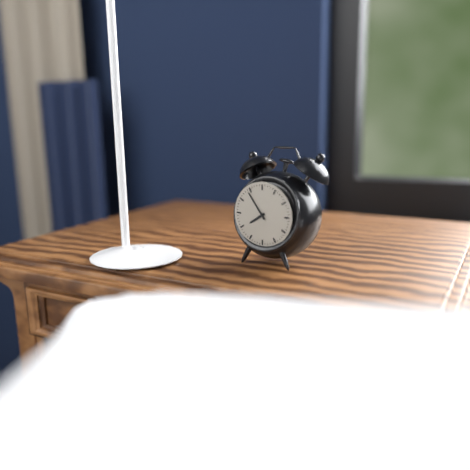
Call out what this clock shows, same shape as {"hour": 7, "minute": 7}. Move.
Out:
{"hour": 7, "minute": 54}
